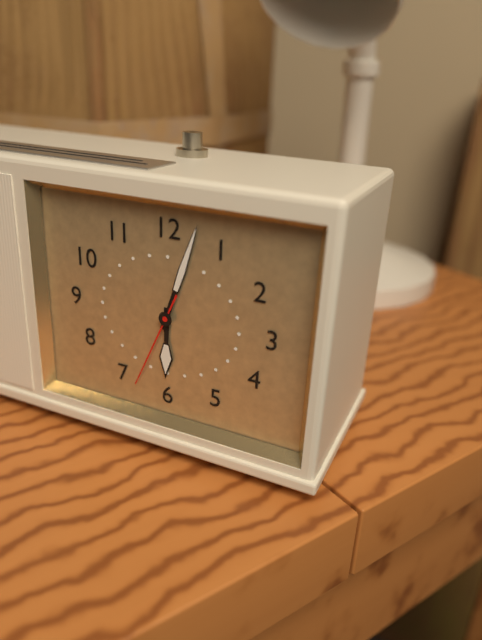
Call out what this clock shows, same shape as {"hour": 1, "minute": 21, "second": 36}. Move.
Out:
{"hour": 6, "minute": 3, "second": 34}
